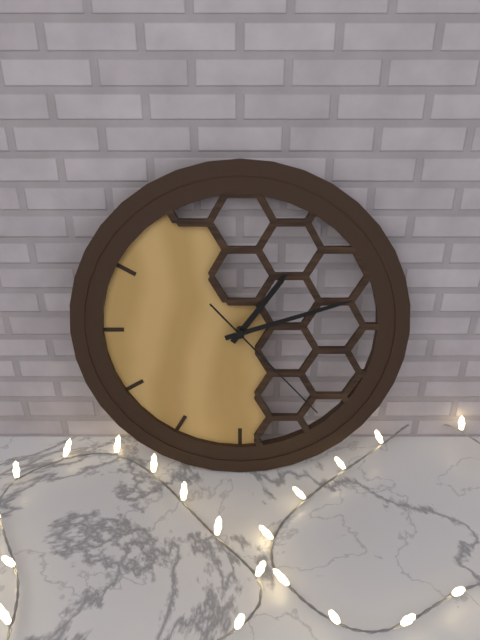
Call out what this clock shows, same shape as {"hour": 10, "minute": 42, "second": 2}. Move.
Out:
{"hour": 1, "minute": 12, "second": 23}
